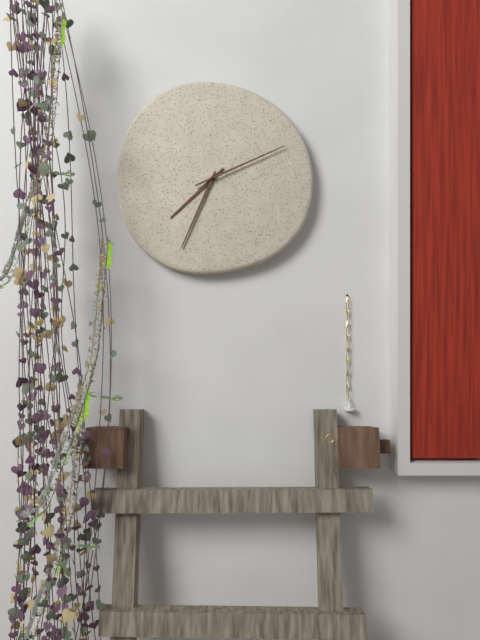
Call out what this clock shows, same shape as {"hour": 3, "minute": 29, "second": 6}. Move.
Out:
{"hour": 7, "minute": 34, "second": 11}
